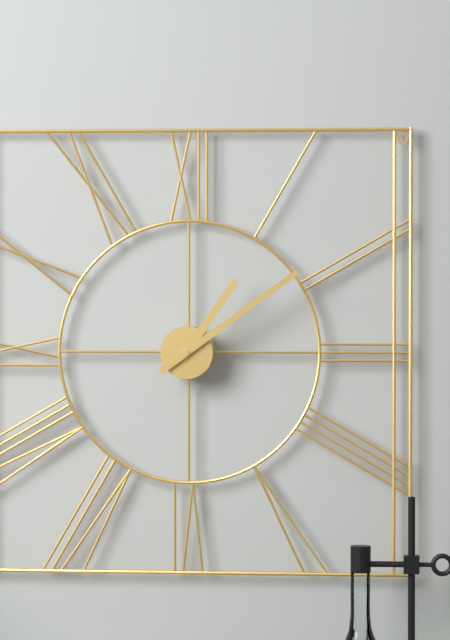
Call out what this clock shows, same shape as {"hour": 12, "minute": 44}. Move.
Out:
{"hour": 1, "minute": 9}
